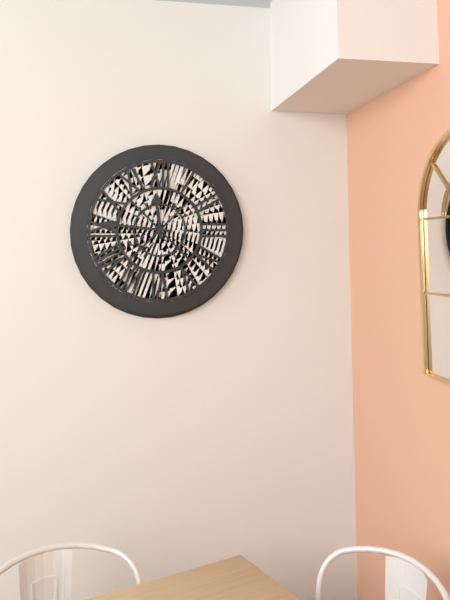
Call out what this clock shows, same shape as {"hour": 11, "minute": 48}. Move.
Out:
{"hour": 11, "minute": 46}
